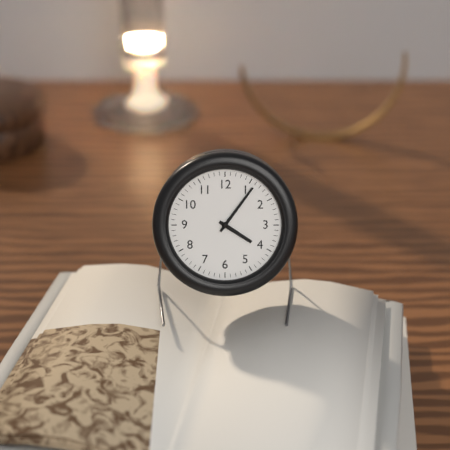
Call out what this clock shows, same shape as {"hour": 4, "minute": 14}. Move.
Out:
{"hour": 4, "minute": 6}
